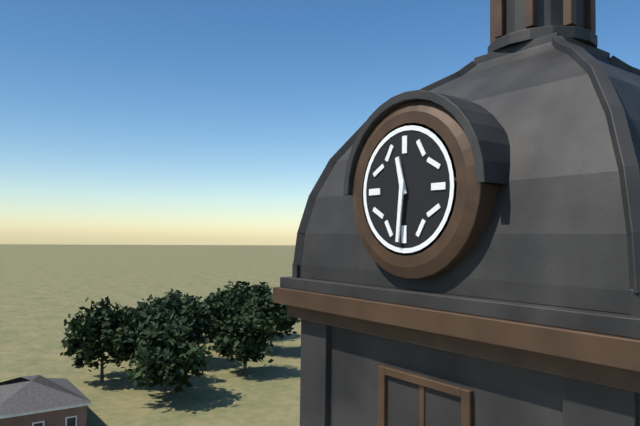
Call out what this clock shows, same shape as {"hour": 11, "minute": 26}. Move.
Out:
{"hour": 11, "minute": 31}
